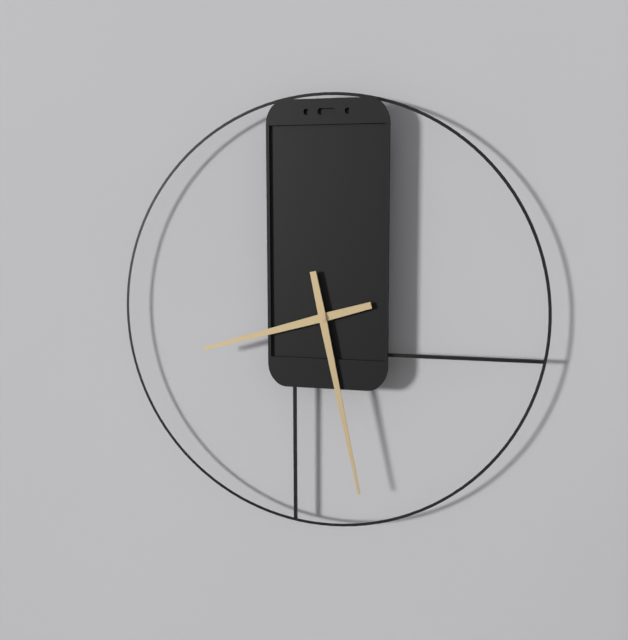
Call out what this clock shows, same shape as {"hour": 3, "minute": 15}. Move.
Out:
{"hour": 8, "minute": 28}
